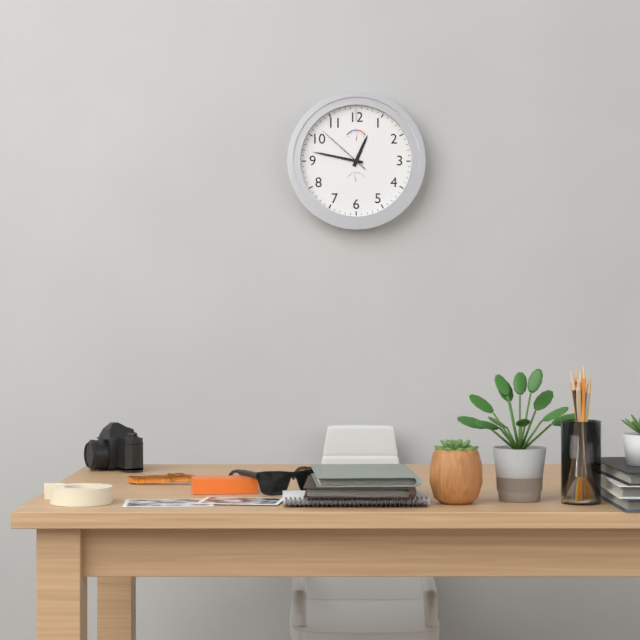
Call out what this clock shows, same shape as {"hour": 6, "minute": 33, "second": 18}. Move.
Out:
{"hour": 12, "minute": 47, "second": 52}
